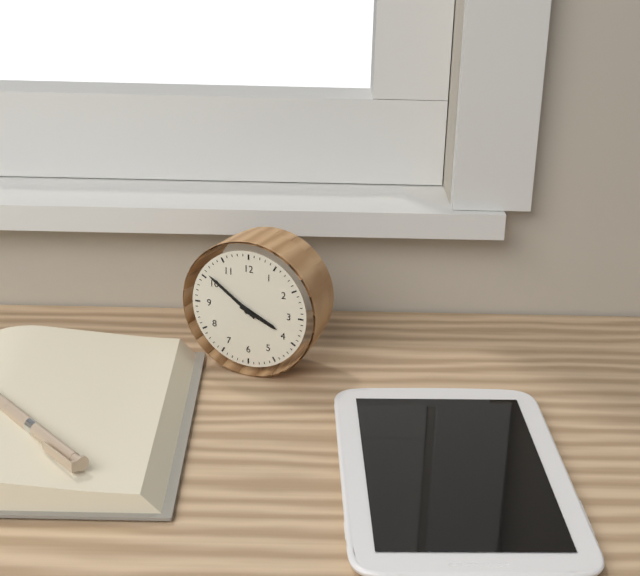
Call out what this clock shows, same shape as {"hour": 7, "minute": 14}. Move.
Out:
{"hour": 3, "minute": 51}
